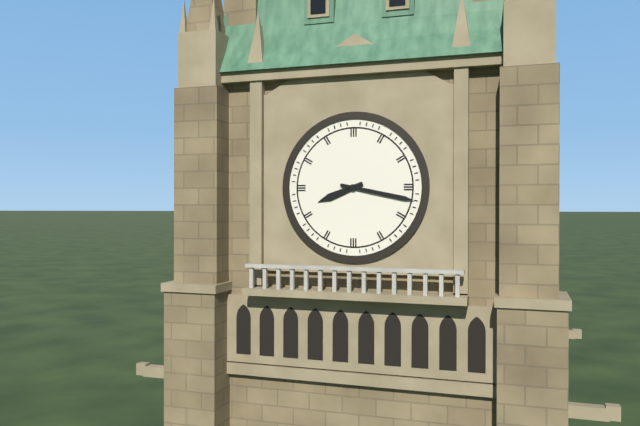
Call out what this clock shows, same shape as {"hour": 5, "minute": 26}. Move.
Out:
{"hour": 8, "minute": 17}
